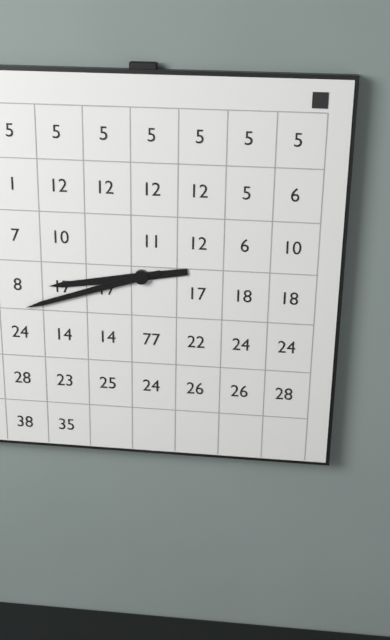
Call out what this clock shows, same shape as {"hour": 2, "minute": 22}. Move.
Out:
{"hour": 8, "minute": 42}
